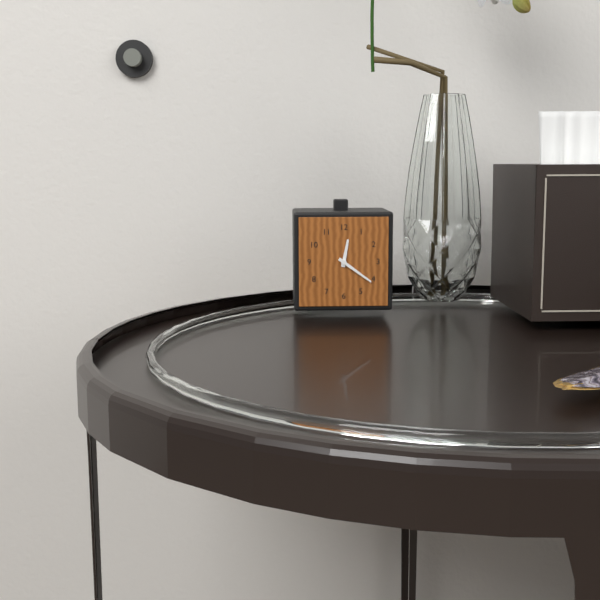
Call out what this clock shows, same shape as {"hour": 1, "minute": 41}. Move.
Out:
{"hour": 12, "minute": 21}
